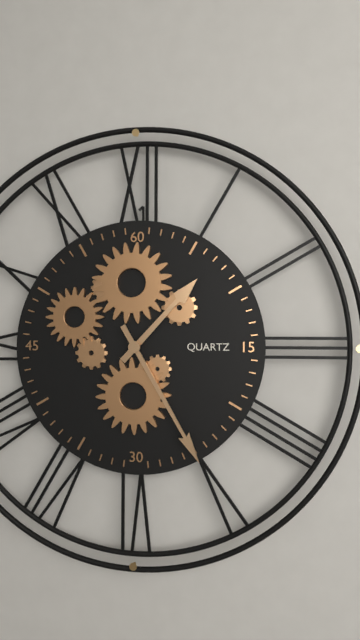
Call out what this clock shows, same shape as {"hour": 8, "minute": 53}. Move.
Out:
{"hour": 1, "minute": 25}
